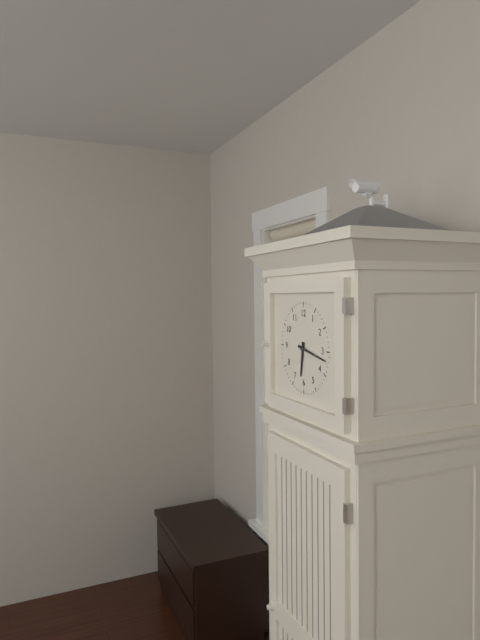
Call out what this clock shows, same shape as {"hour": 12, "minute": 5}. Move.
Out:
{"hour": 6, "minute": 17}
